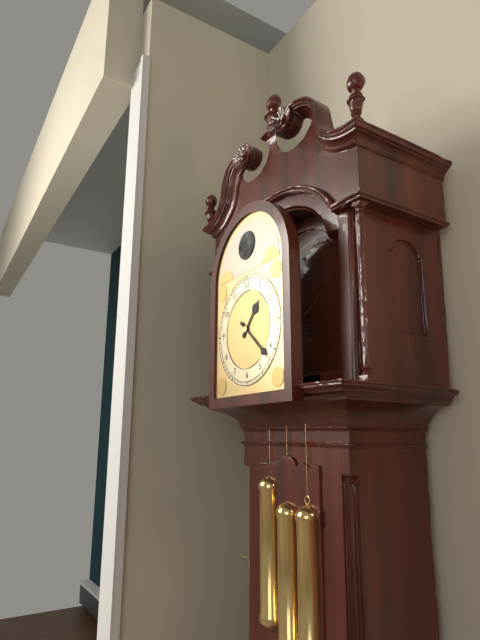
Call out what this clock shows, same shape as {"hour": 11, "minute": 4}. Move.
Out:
{"hour": 1, "minute": 22}
